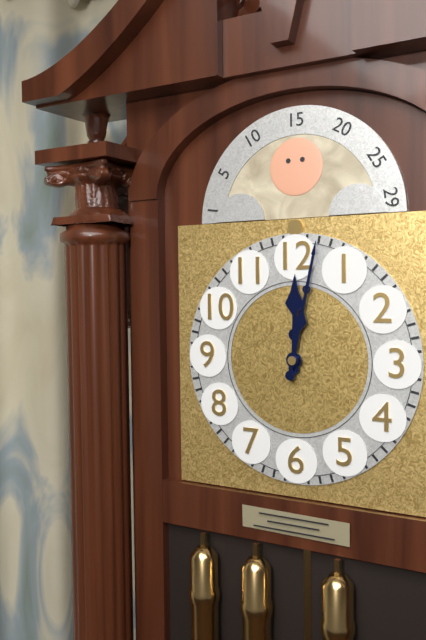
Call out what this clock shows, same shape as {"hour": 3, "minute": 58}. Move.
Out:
{"hour": 12, "minute": 2}
